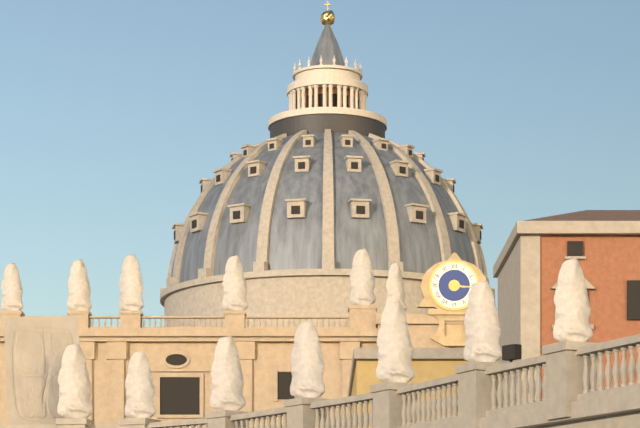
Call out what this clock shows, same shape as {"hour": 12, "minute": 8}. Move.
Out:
{"hour": 3, "minute": 16}
